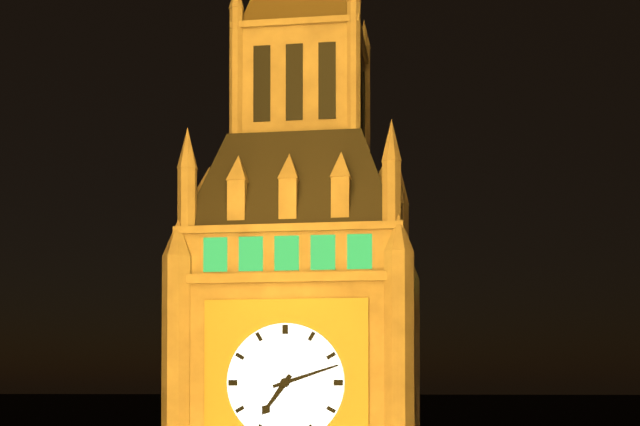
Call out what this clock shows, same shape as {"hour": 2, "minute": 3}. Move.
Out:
{"hour": 7, "minute": 12}
